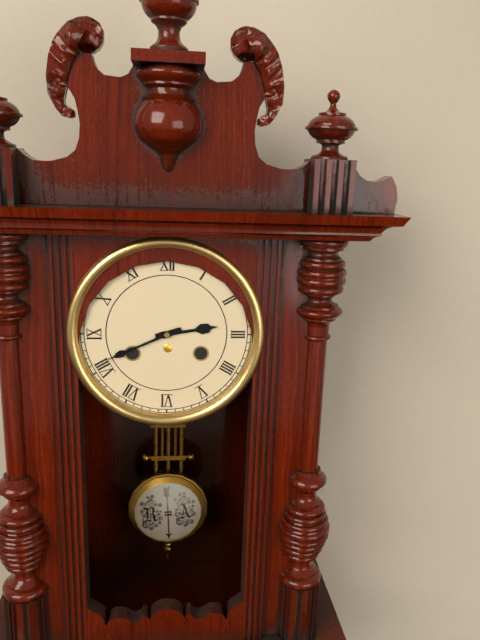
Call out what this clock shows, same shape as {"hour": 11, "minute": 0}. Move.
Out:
{"hour": 2, "minute": 41}
